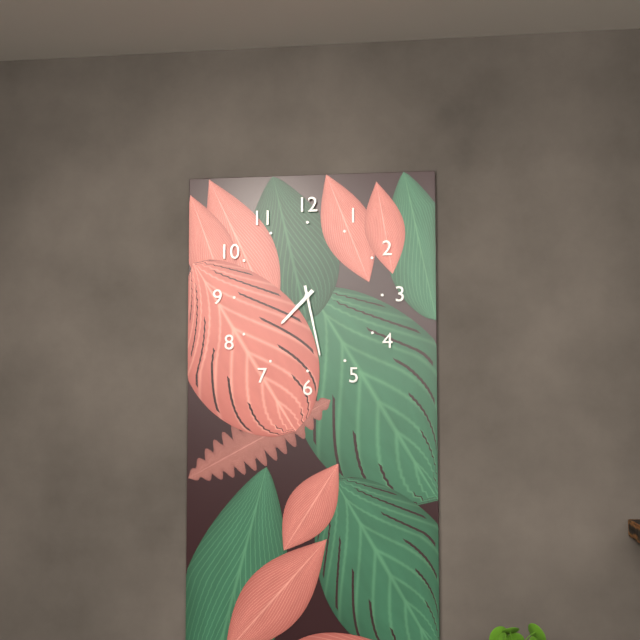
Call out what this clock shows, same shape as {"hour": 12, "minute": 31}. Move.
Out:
{"hour": 7, "minute": 28}
